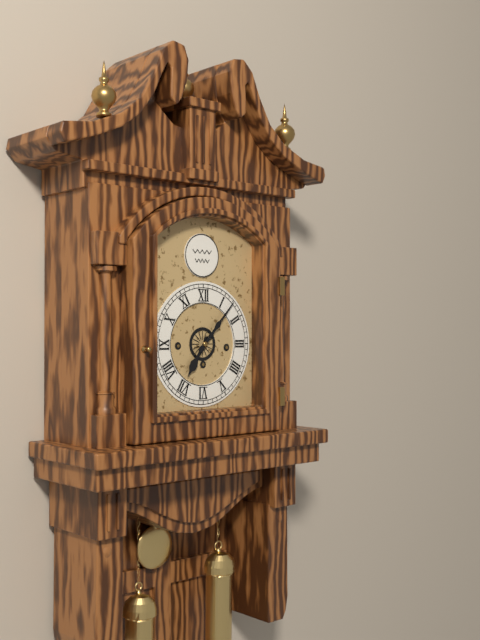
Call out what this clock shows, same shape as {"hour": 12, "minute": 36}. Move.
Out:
{"hour": 7, "minute": 7}
